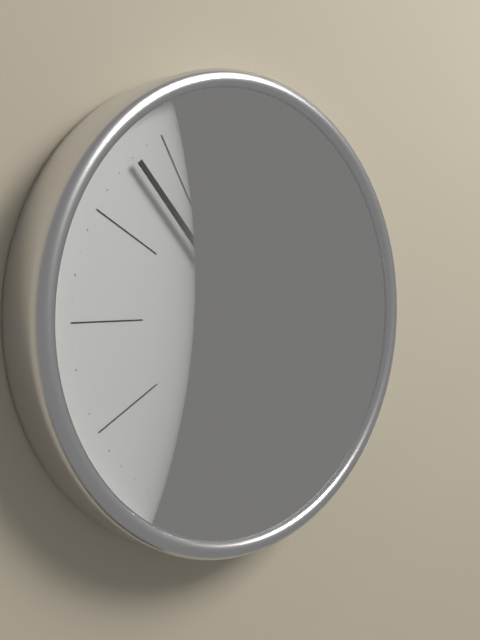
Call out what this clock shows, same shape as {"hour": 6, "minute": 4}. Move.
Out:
{"hour": 5, "minute": 53}
